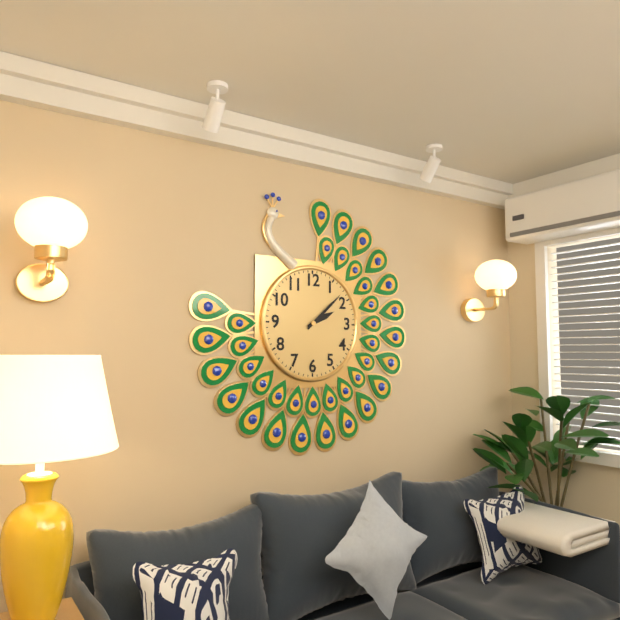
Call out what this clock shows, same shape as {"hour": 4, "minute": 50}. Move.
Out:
{"hour": 2, "minute": 8}
